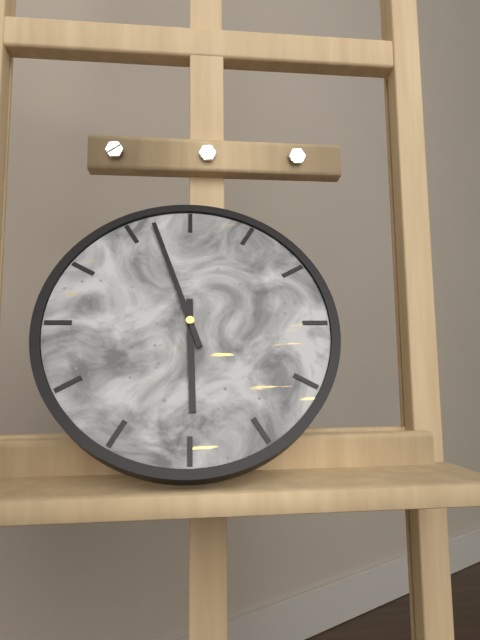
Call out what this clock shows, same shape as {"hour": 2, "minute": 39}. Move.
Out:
{"hour": 5, "minute": 57}
